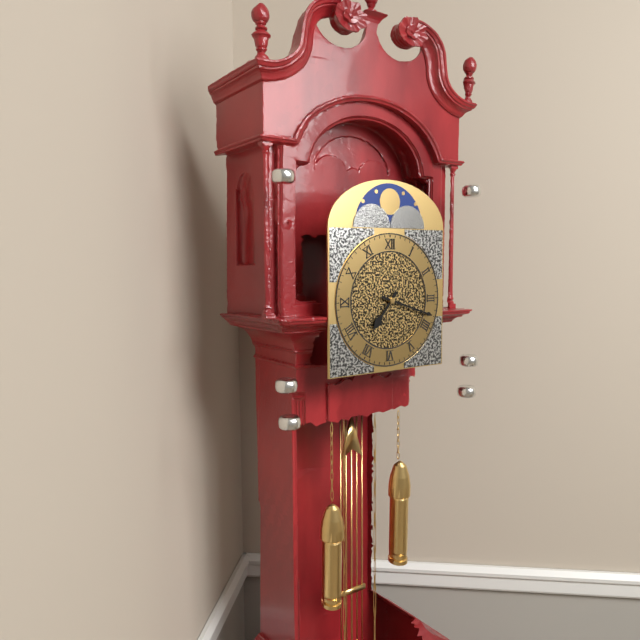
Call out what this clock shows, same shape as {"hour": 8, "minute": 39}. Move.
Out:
{"hour": 7, "minute": 18}
